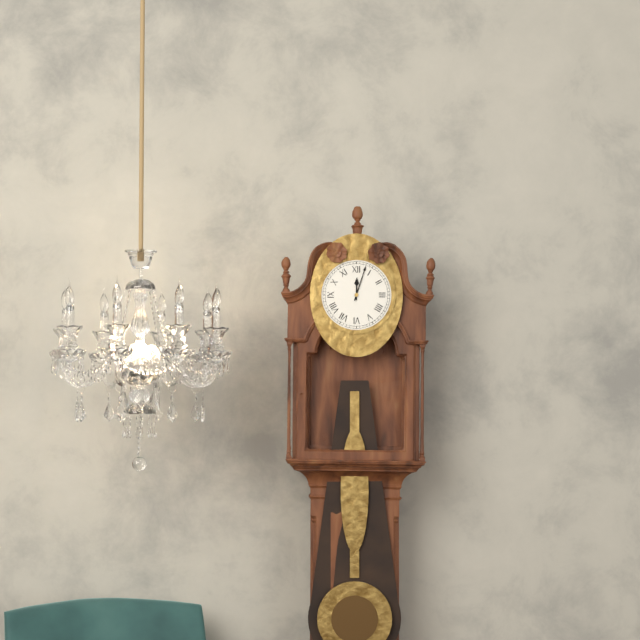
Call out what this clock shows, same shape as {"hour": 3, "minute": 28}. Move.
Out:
{"hour": 12, "minute": 3}
